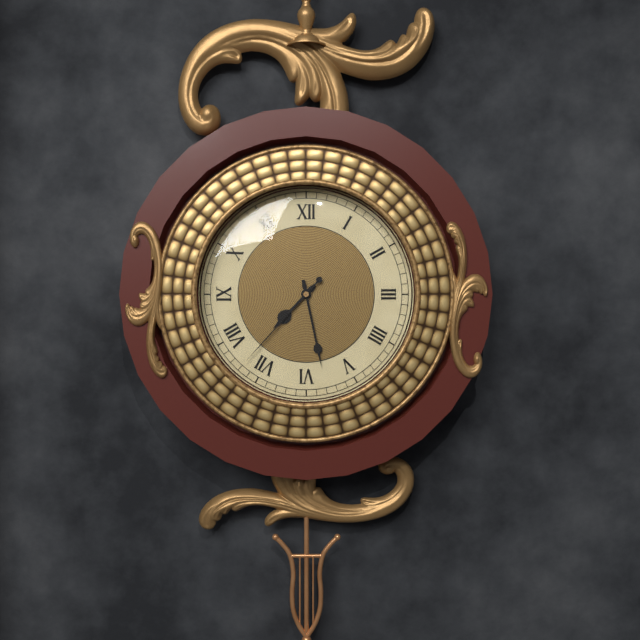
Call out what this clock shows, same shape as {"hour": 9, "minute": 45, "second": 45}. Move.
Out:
{"hour": 7, "minute": 28, "second": 37}
